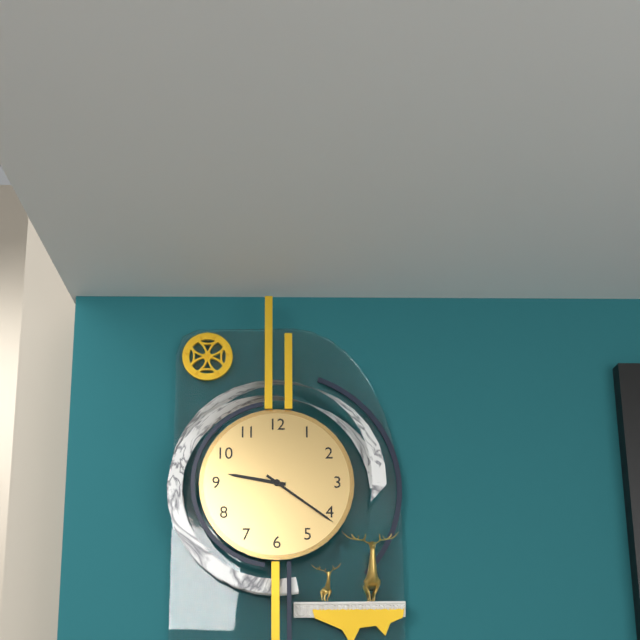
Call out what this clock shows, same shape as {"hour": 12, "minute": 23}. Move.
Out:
{"hour": 9, "minute": 21}
